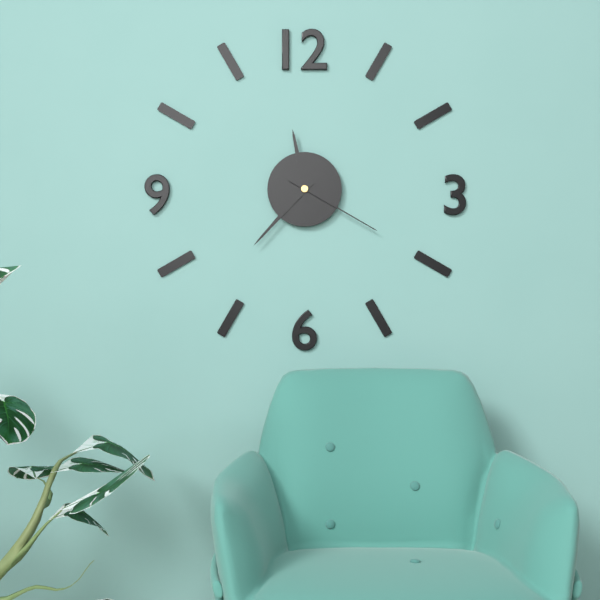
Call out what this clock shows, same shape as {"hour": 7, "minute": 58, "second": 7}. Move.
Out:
{"hour": 11, "minute": 37, "second": 20}
